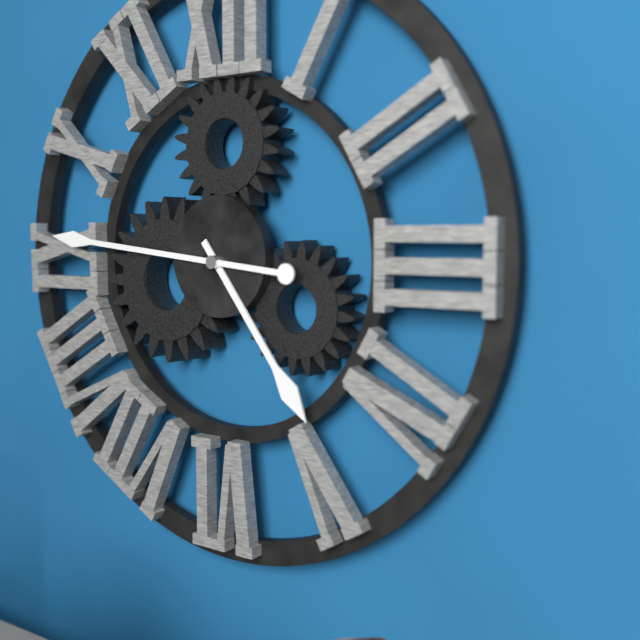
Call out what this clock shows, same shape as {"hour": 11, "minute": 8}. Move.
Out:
{"hour": 4, "minute": 46}
